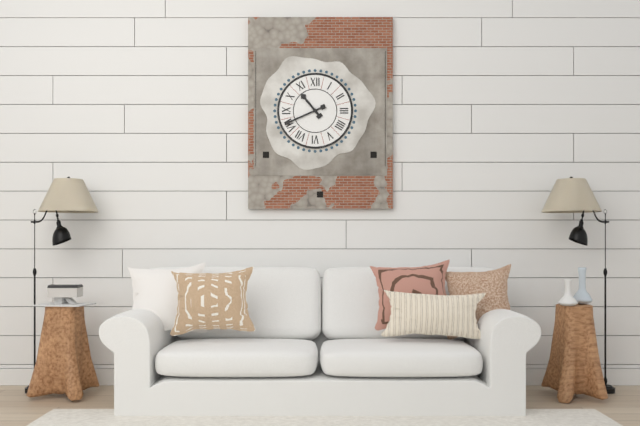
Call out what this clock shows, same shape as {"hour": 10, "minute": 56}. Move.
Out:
{"hour": 10, "minute": 41}
